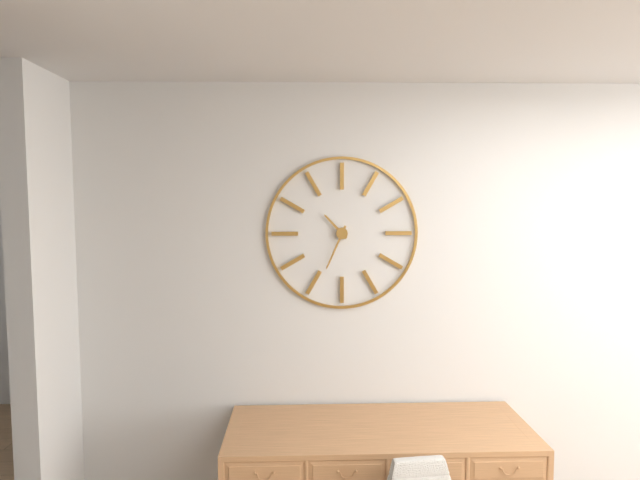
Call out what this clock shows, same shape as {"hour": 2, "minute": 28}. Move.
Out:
{"hour": 10, "minute": 34}
